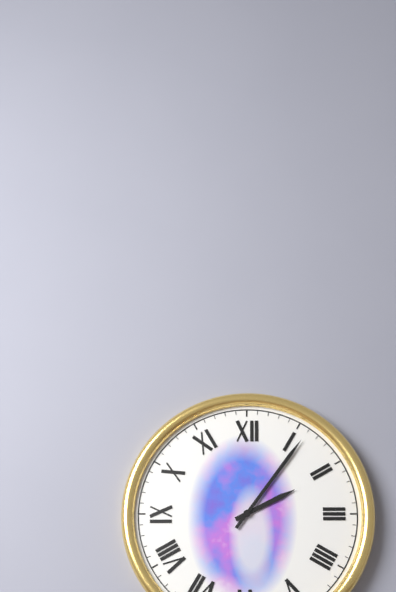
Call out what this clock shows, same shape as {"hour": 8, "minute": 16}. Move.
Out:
{"hour": 2, "minute": 6}
